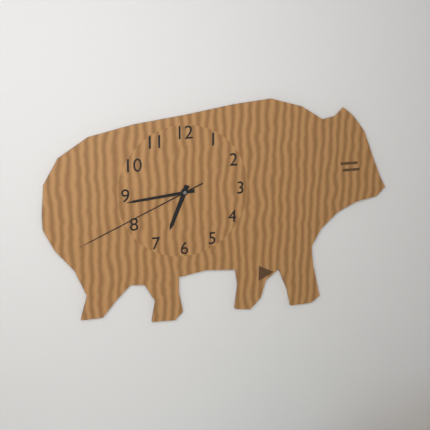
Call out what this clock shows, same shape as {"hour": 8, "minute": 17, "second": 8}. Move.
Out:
{"hour": 6, "minute": 44, "second": 41}
